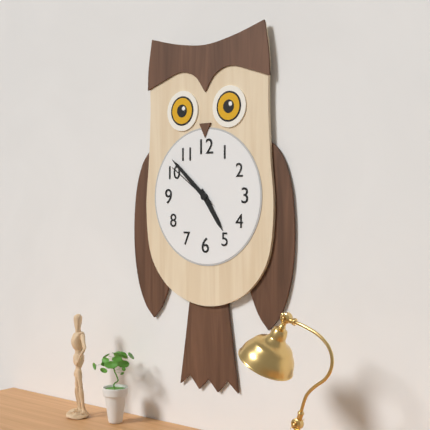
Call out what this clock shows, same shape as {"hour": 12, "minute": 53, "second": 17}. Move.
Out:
{"hour": 4, "minute": 52, "second": 51}
